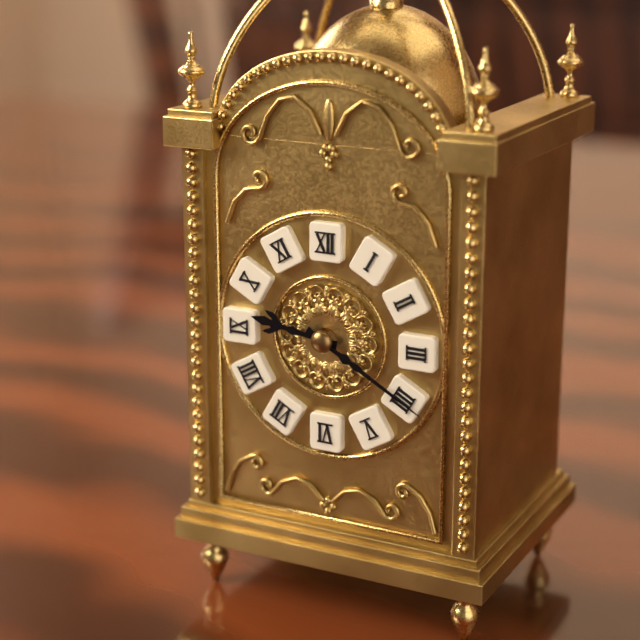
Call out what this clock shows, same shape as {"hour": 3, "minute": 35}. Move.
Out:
{"hour": 9, "minute": 20}
